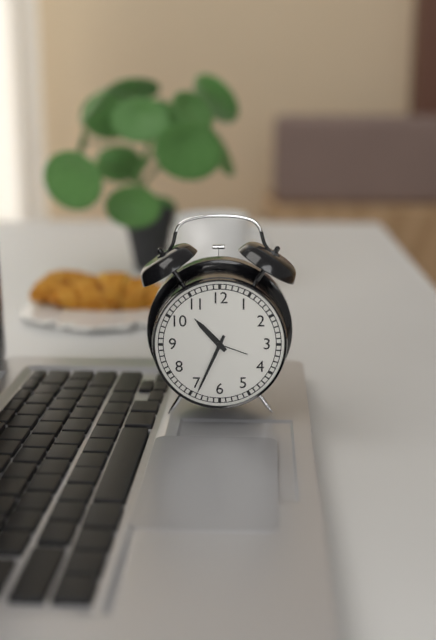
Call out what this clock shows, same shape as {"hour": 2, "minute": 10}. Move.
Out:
{"hour": 10, "minute": 34}
